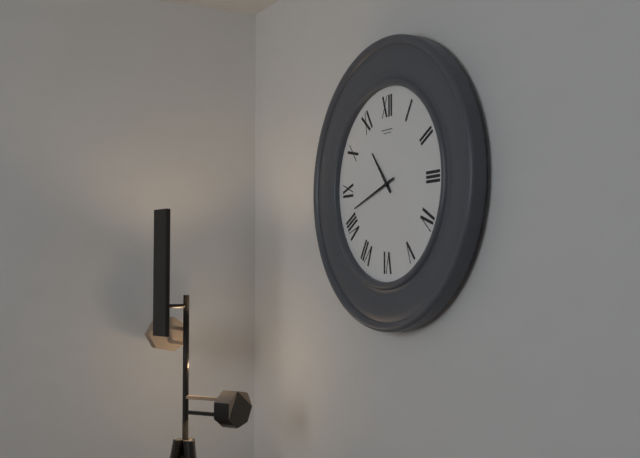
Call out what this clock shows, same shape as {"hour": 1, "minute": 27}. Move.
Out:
{"hour": 10, "minute": 42}
